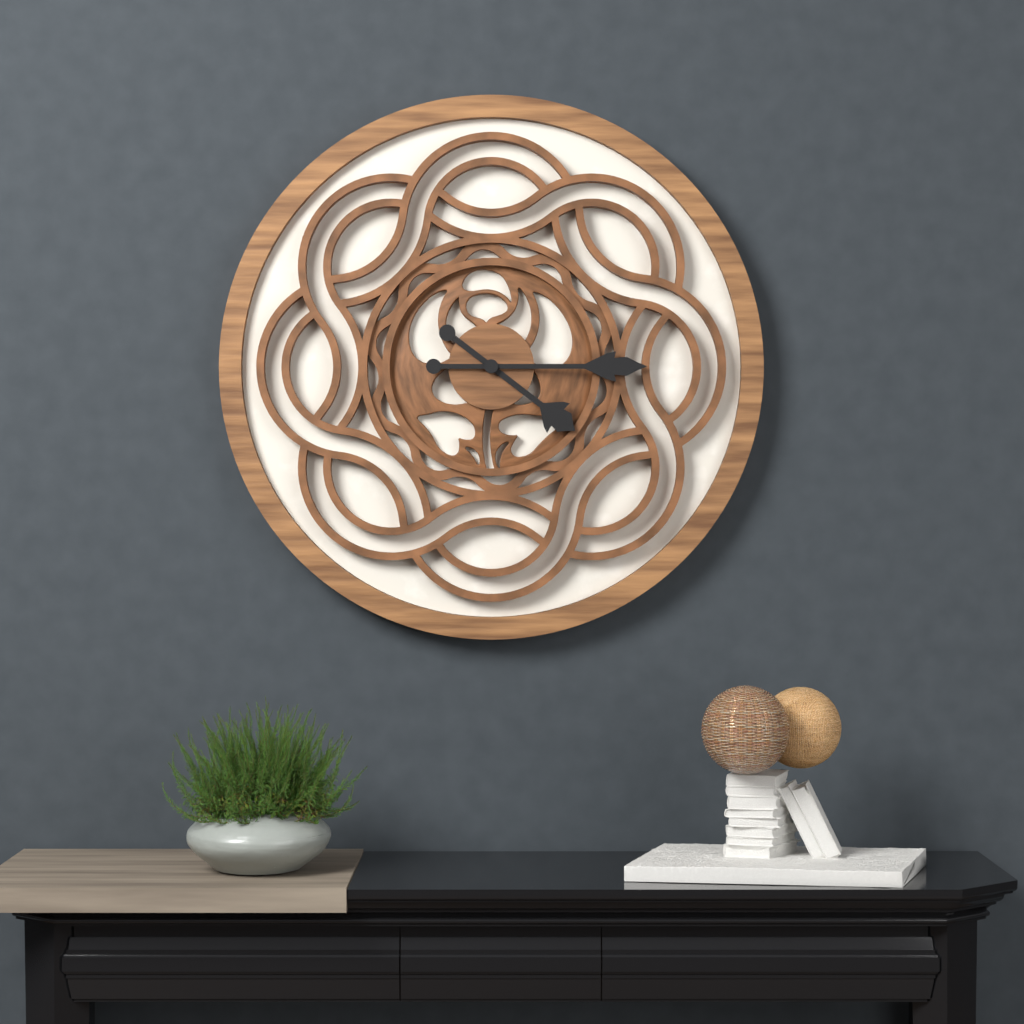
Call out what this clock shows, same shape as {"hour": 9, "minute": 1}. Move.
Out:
{"hour": 4, "minute": 15}
